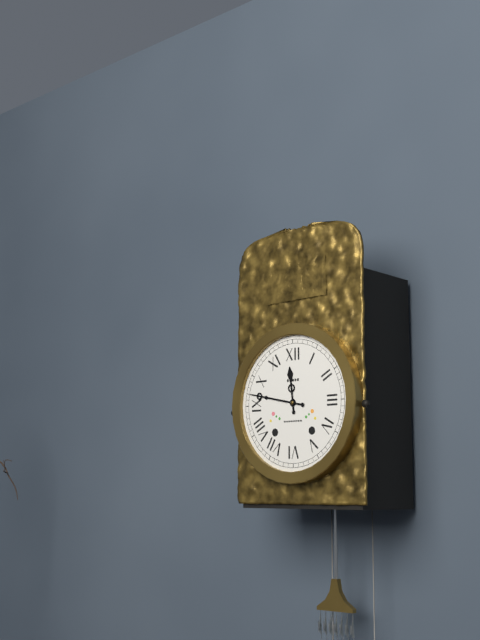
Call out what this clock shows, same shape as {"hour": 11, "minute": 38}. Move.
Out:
{"hour": 11, "minute": 47}
